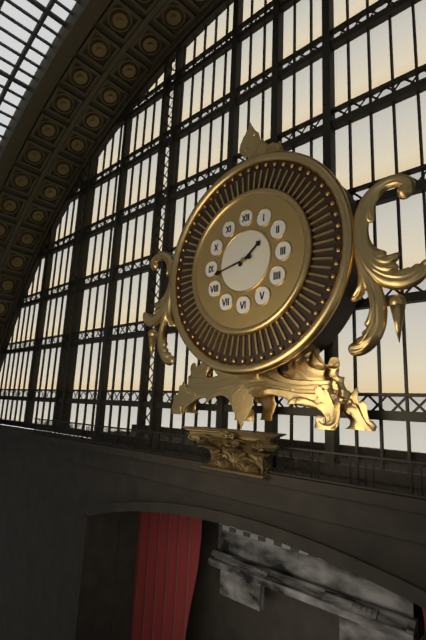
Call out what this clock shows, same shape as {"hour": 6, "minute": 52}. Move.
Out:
{"hour": 1, "minute": 43}
